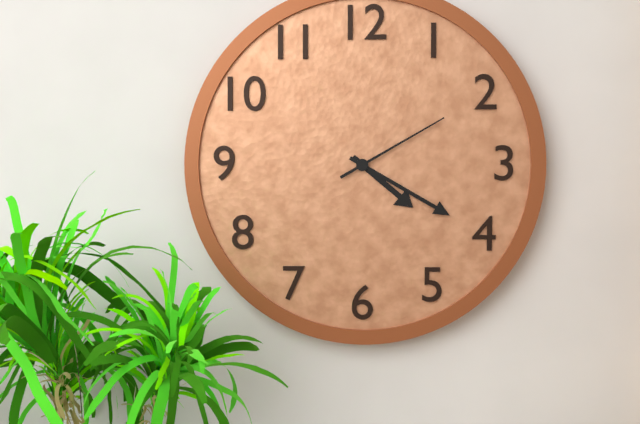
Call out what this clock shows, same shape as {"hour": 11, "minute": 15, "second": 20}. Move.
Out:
{"hour": 4, "minute": 20, "second": 10}
